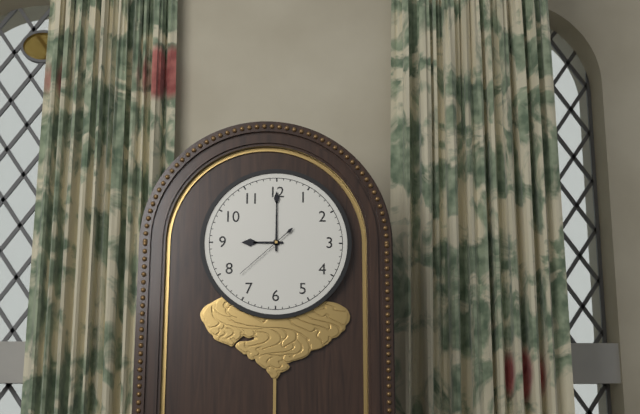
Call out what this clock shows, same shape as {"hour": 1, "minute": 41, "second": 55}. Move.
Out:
{"hour": 9, "minute": 0, "second": 38}
